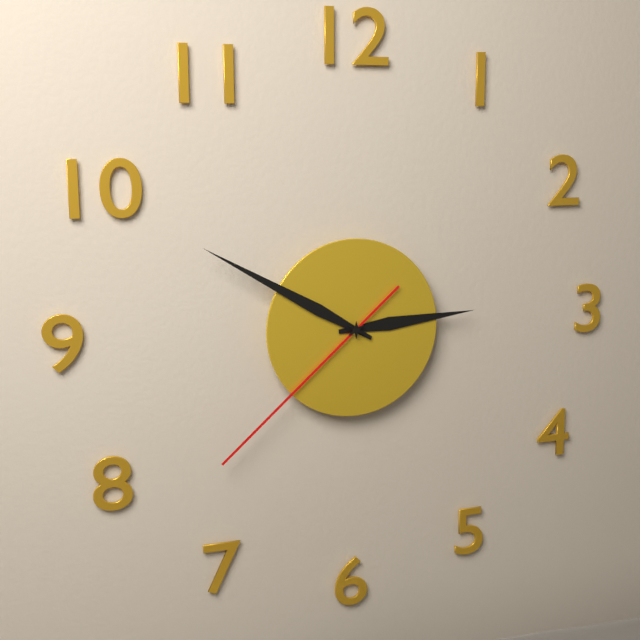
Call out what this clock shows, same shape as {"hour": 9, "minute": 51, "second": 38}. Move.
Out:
{"hour": 2, "minute": 50, "second": 38}
